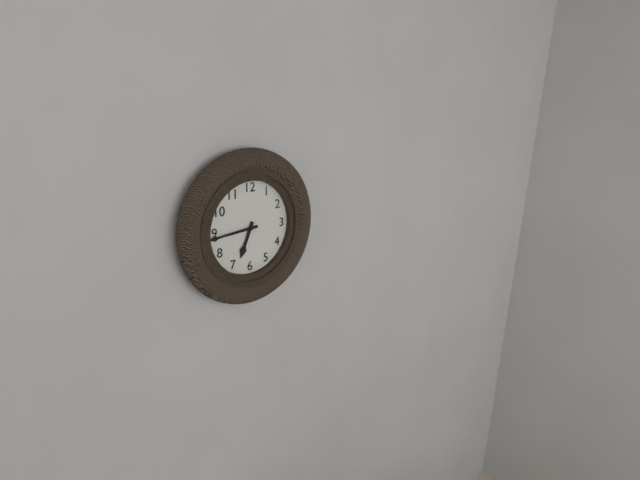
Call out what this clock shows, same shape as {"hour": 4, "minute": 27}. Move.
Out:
{"hour": 6, "minute": 44}
